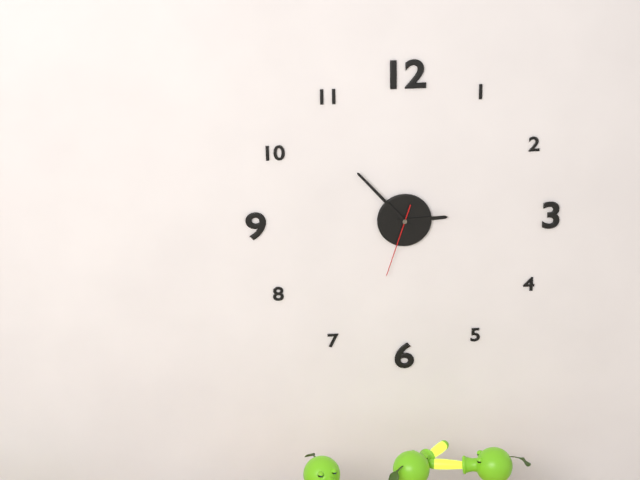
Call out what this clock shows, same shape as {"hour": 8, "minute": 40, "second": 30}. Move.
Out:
{"hour": 2, "minute": 53, "second": 33}
